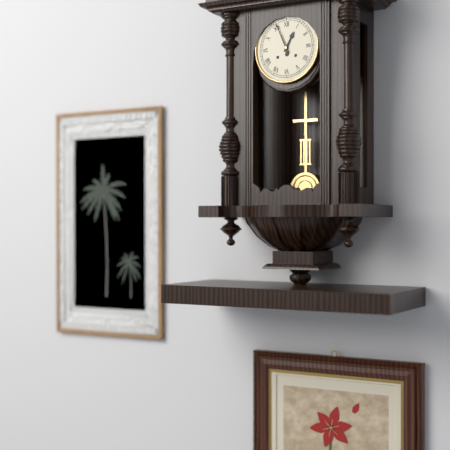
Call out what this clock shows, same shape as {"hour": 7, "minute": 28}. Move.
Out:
{"hour": 12, "minute": 56}
